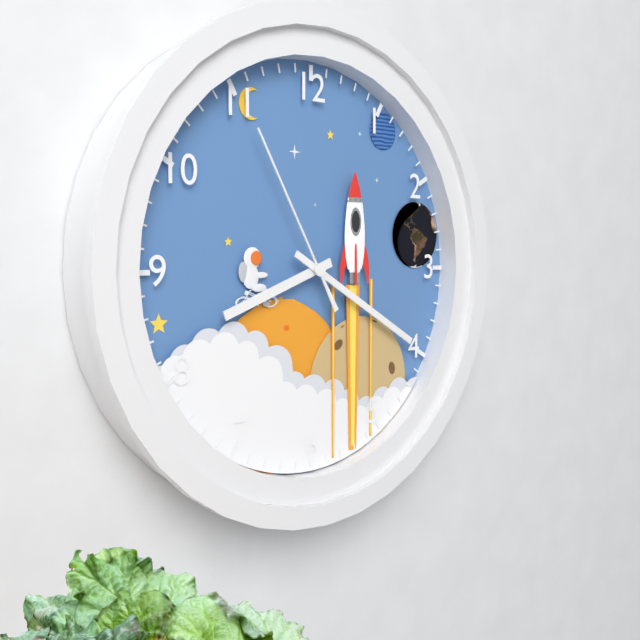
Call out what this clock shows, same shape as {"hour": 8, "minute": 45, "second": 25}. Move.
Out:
{"hour": 8, "minute": 20, "second": 55}
